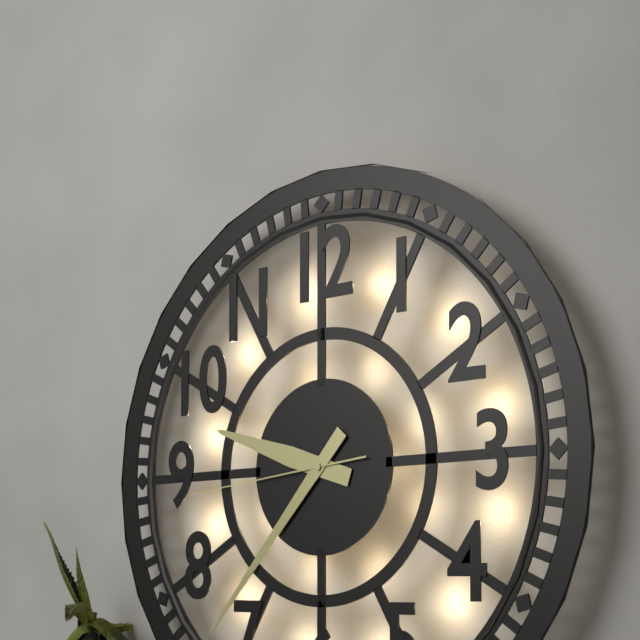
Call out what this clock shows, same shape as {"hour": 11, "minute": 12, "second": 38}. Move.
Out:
{"hour": 9, "minute": 37, "second": 44}
